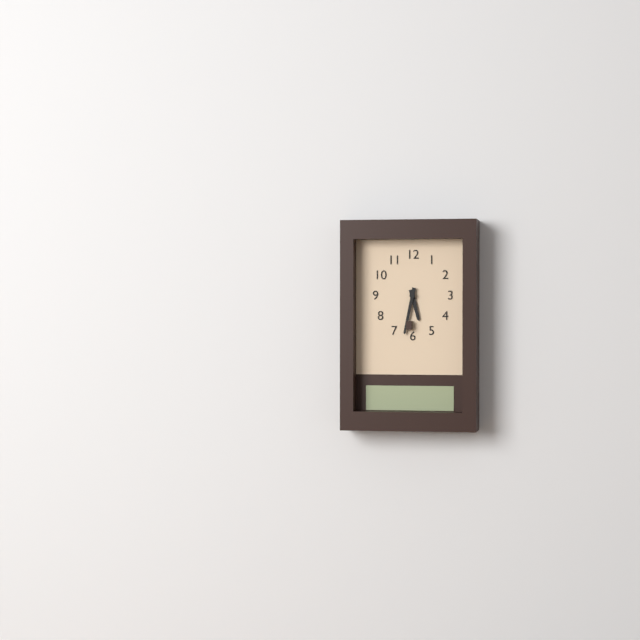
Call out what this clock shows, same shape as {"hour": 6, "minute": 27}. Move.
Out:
{"hour": 5, "minute": 32}
